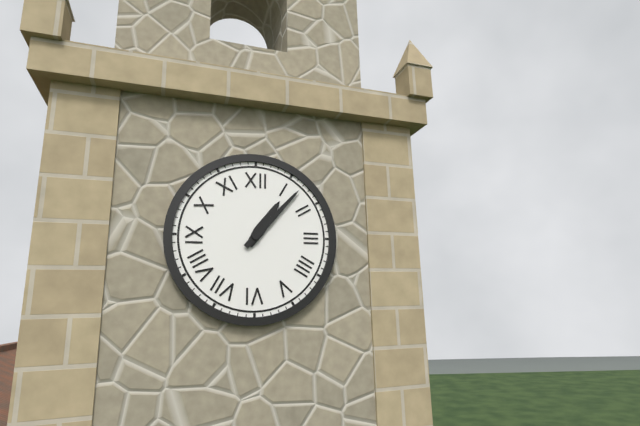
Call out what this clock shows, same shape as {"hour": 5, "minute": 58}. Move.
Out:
{"hour": 1, "minute": 7}
